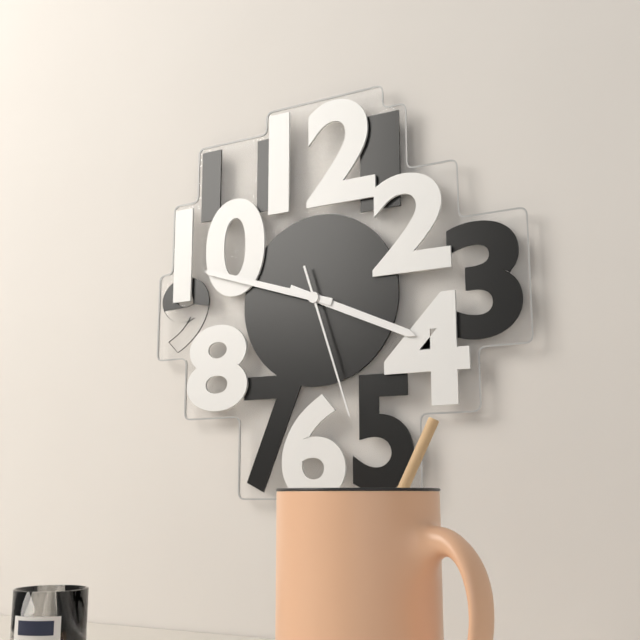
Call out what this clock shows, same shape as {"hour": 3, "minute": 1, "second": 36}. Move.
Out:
{"hour": 3, "minute": 48, "second": 27}
